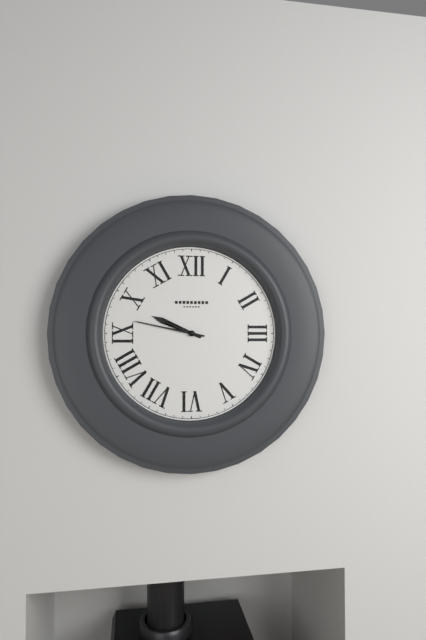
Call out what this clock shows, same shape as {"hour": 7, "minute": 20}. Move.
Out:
{"hour": 9, "minute": 47}
